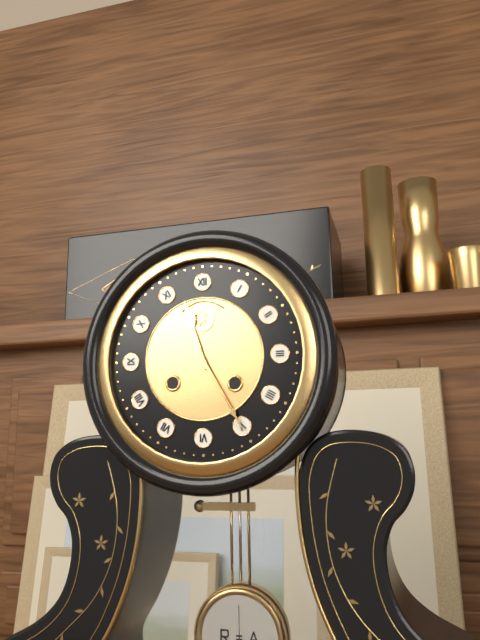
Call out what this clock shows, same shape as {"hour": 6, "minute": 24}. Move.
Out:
{"hour": 11, "minute": 25}
